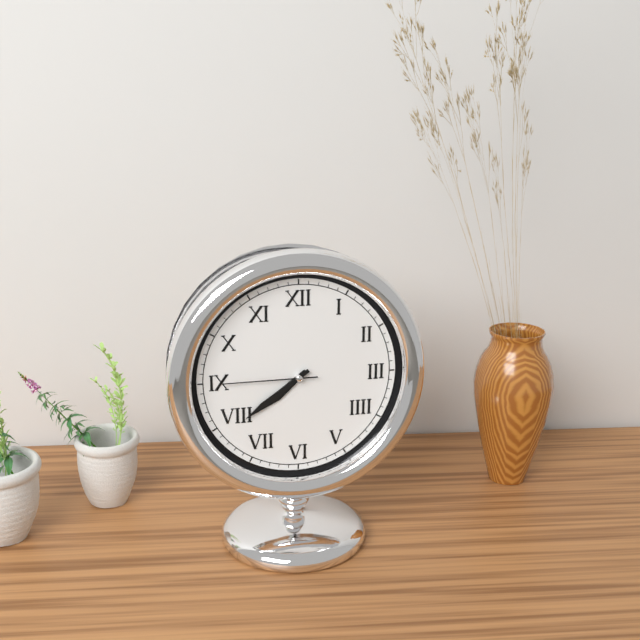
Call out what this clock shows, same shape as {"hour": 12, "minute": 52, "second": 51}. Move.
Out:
{"hour": 7, "minute": 39, "second": 45}
